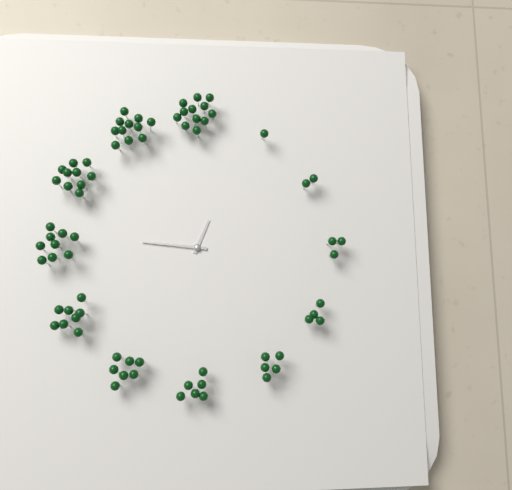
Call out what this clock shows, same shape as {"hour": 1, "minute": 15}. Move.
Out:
{"hour": 12, "minute": 46}
